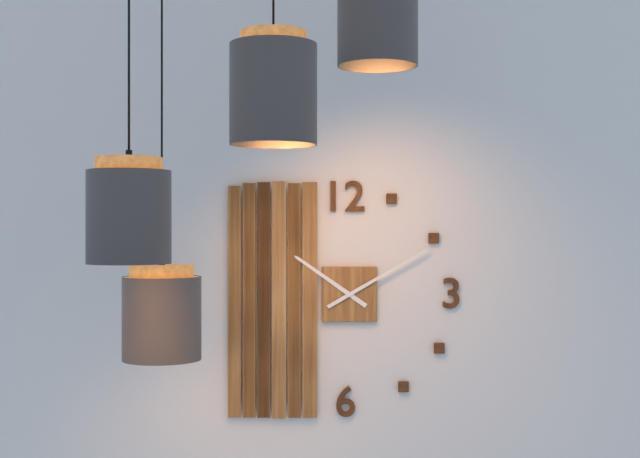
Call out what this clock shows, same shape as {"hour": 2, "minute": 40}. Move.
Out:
{"hour": 10, "minute": 10}
